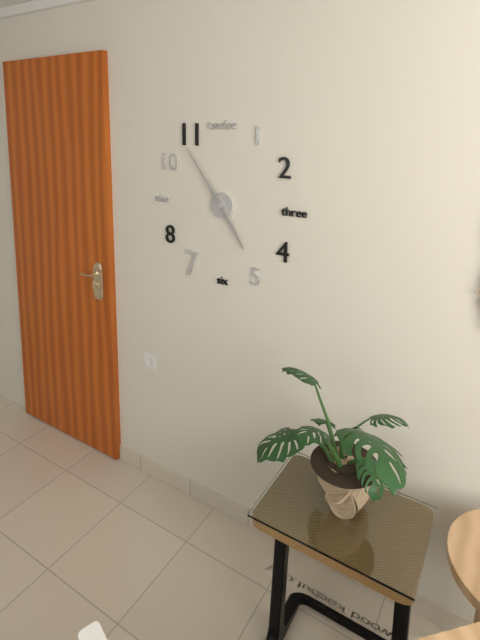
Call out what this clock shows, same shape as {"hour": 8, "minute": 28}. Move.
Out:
{"hour": 4, "minute": 54}
